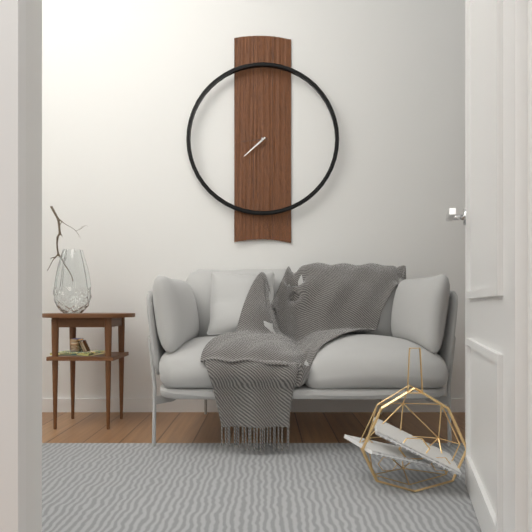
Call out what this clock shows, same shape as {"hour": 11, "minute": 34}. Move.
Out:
{"hour": 7, "minute": 38}
